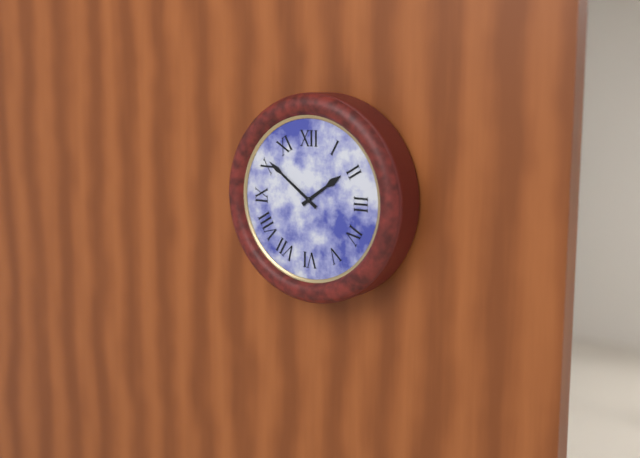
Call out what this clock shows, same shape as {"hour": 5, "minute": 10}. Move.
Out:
{"hour": 1, "minute": 51}
